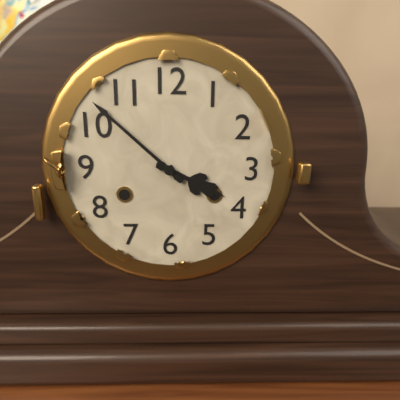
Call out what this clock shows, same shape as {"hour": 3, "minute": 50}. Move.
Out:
{"hour": 3, "minute": 52}
